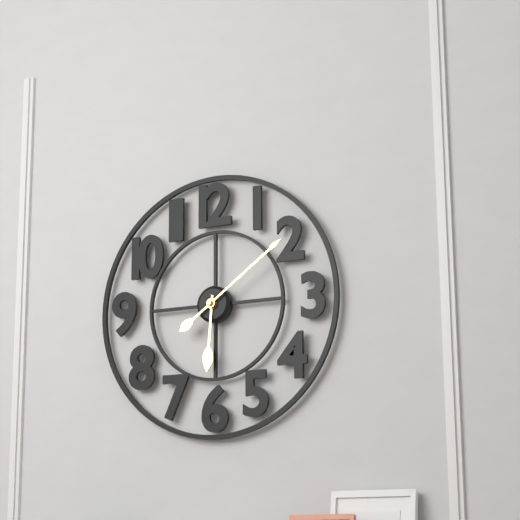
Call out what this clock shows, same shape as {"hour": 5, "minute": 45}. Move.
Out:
{"hour": 6, "minute": 9}
